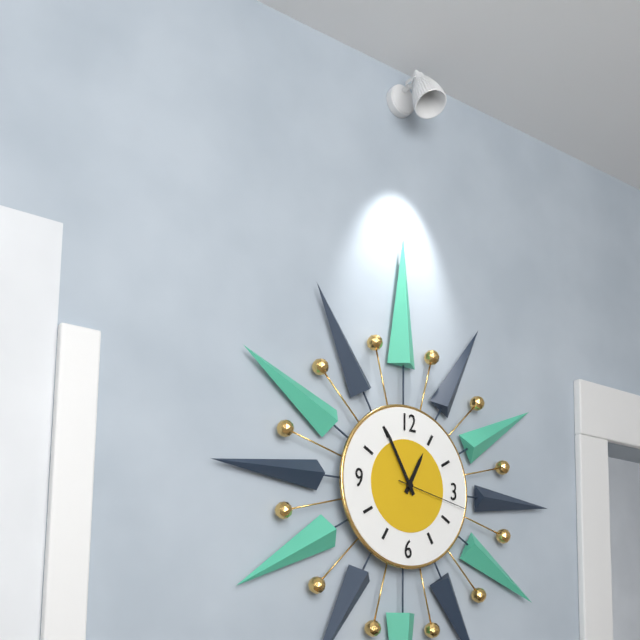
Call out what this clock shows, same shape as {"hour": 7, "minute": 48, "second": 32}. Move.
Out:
{"hour": 12, "minute": 55, "second": 17}
